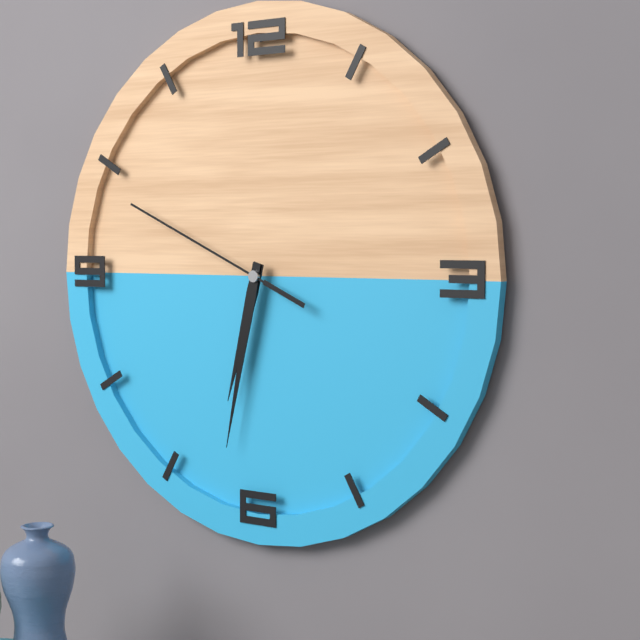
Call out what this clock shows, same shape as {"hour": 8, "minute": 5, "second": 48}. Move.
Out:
{"hour": 6, "minute": 32, "second": 49}
